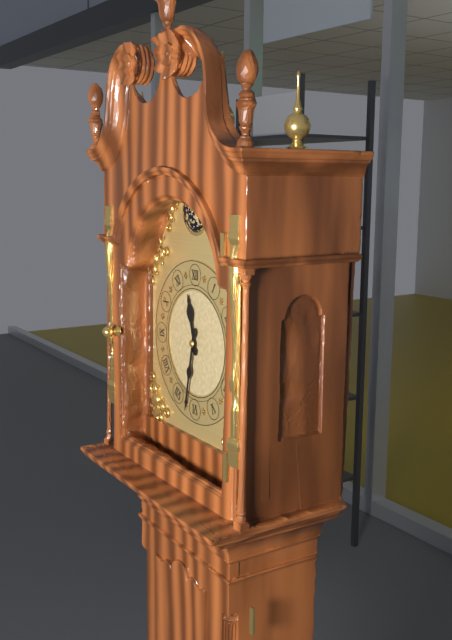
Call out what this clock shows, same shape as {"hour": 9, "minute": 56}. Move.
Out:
{"hour": 11, "minute": 32}
